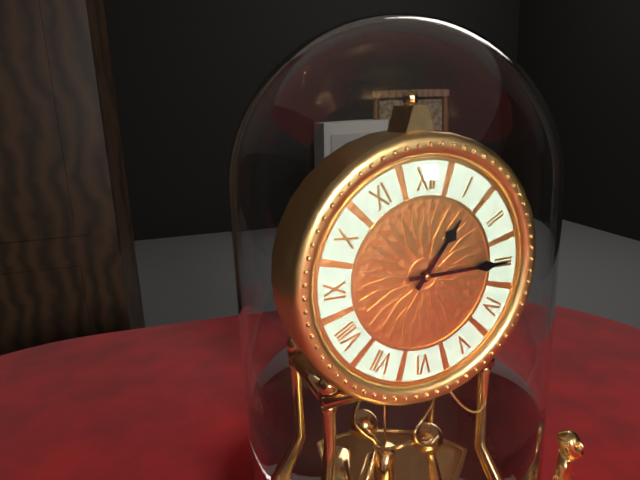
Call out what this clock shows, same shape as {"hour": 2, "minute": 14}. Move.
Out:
{"hour": 1, "minute": 15}
